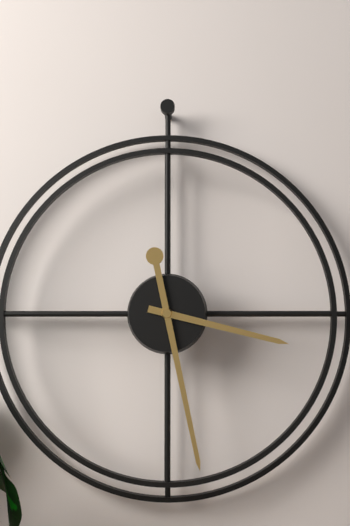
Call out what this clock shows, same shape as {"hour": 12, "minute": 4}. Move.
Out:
{"hour": 3, "minute": 28}
